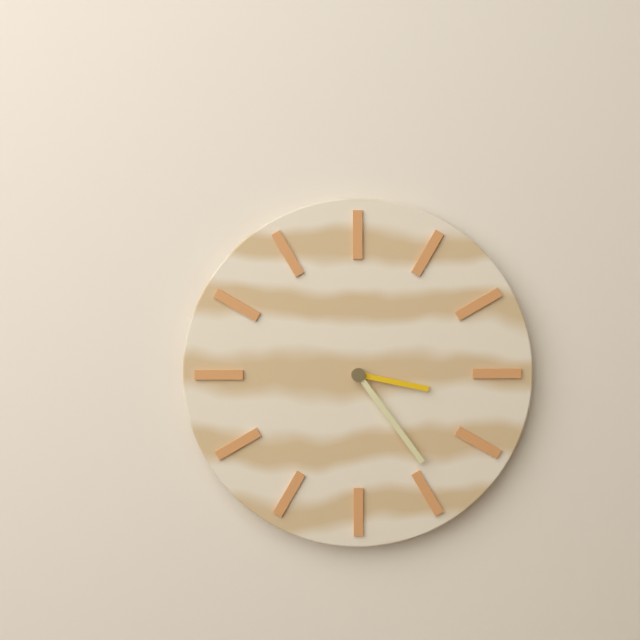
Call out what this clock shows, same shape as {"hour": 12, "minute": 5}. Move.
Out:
{"hour": 3, "minute": 24}
